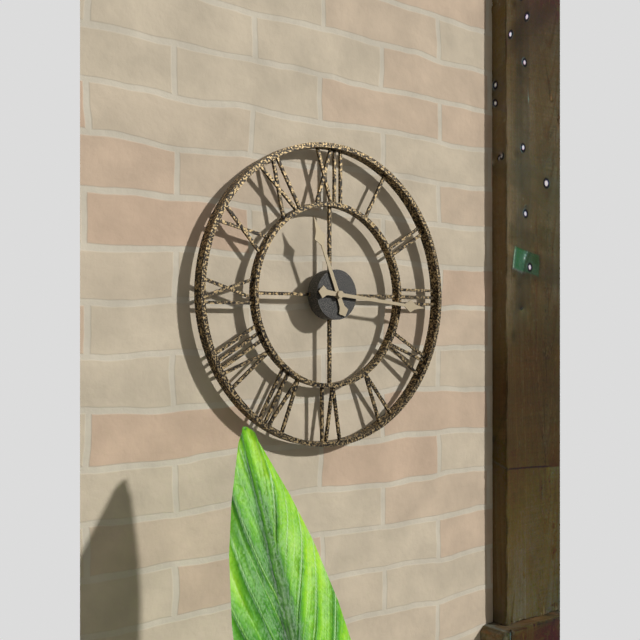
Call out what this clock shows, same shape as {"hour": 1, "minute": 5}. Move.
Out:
{"hour": 11, "minute": 16}
